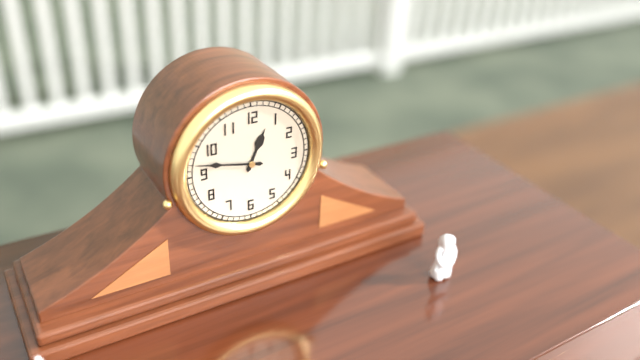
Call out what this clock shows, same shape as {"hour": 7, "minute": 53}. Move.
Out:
{"hour": 12, "minute": 47}
